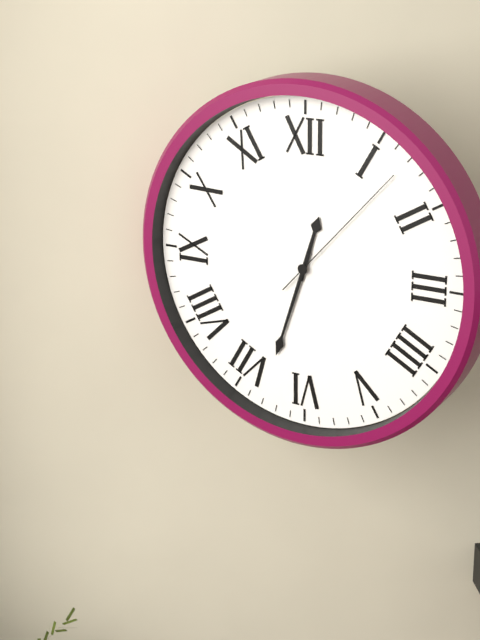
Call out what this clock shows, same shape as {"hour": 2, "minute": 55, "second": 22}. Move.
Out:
{"hour": 12, "minute": 33, "second": 7}
